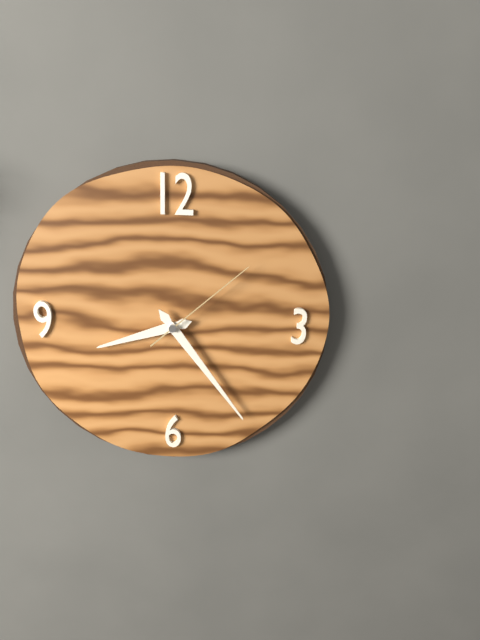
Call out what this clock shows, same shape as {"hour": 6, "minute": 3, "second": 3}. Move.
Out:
{"hour": 8, "minute": 24, "second": 8}
